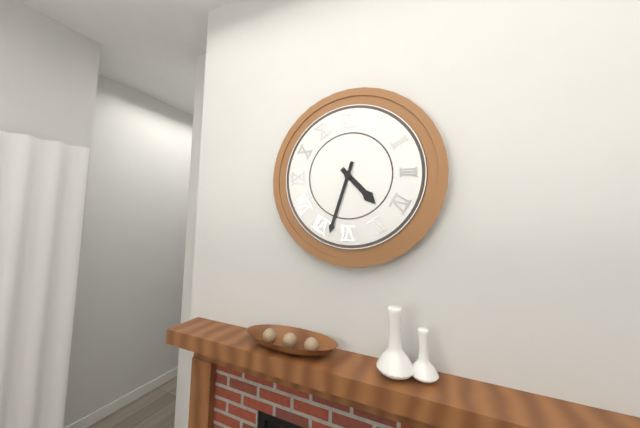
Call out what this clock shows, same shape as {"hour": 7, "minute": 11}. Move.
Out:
{"hour": 4, "minute": 33}
